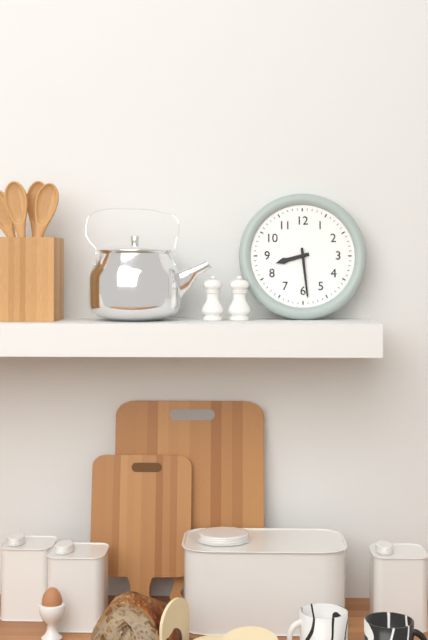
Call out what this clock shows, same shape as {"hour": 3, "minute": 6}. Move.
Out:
{"hour": 8, "minute": 29}
